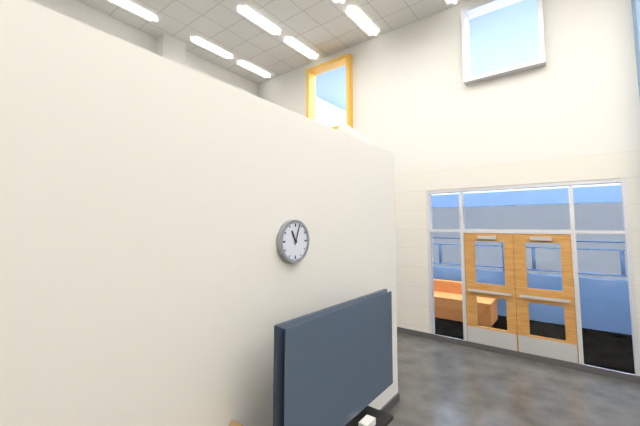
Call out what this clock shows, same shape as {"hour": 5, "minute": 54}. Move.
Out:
{"hour": 11, "minute": 3}
